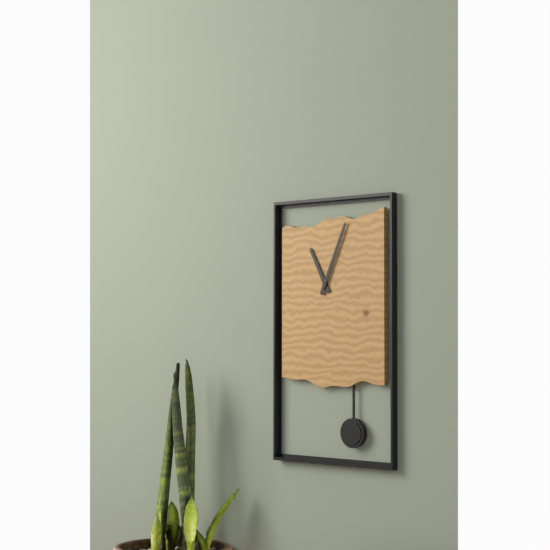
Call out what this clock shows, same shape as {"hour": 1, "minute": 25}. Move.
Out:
{"hour": 11, "minute": 4}
